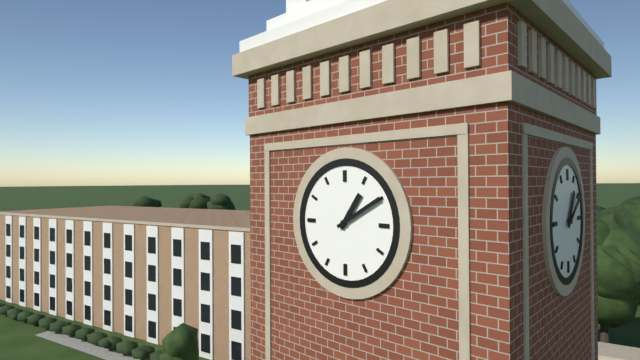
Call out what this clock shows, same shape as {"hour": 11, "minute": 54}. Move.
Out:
{"hour": 1, "minute": 10}
